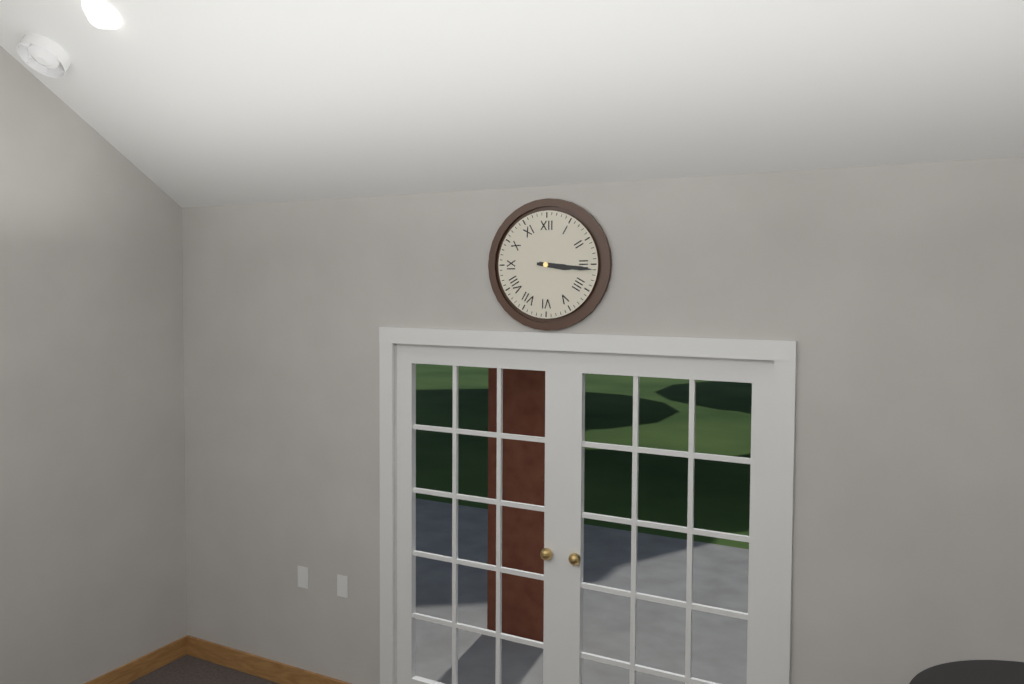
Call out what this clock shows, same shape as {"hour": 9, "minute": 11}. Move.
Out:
{"hour": 3, "minute": 16}
